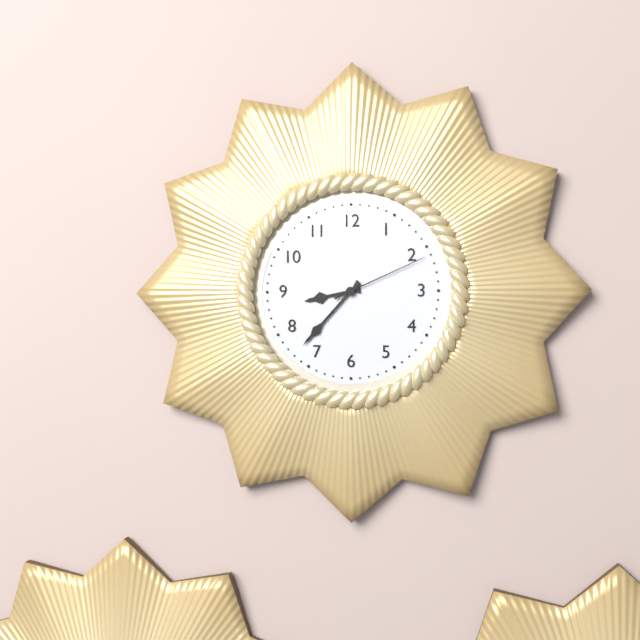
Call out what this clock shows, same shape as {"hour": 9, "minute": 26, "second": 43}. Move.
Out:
{"hour": 8, "minute": 37, "second": 11}
